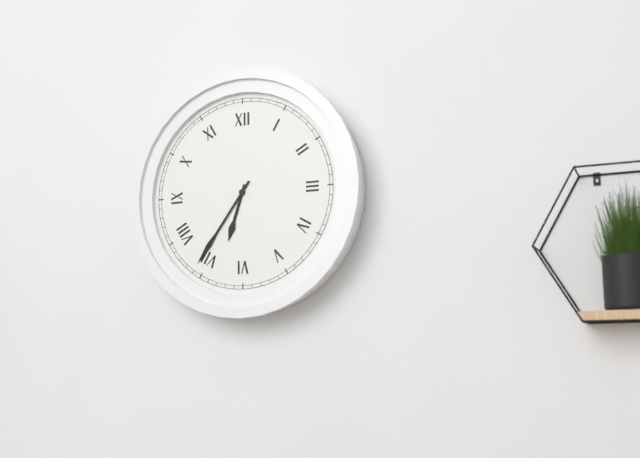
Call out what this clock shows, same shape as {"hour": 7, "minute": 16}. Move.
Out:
{"hour": 6, "minute": 36}
